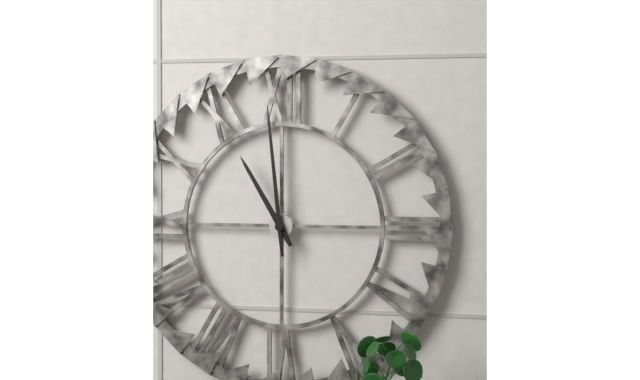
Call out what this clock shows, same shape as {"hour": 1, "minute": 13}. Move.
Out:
{"hour": 10, "minute": 59}
